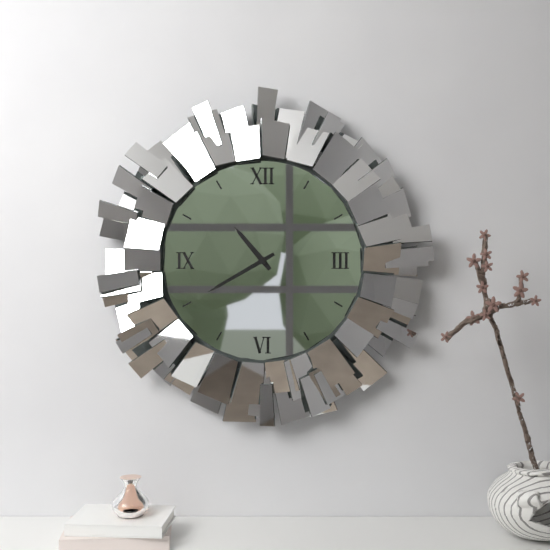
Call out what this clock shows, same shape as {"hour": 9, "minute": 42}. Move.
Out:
{"hour": 10, "minute": 40}
